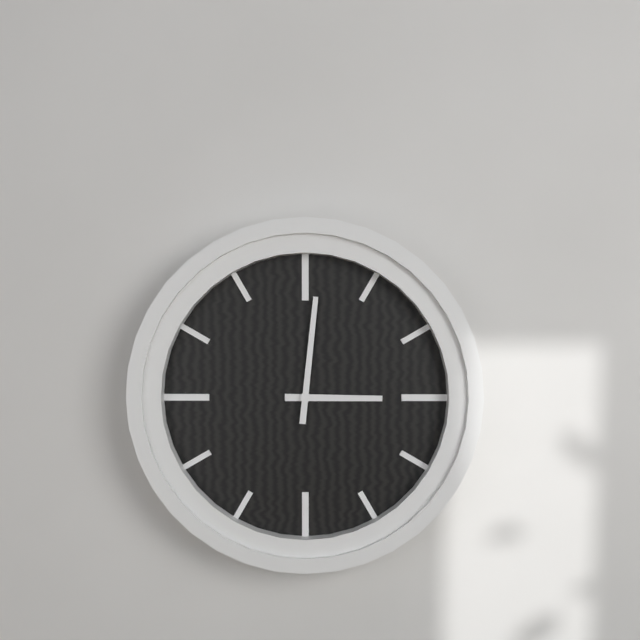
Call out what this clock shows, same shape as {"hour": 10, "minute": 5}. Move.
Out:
{"hour": 3, "minute": 1}
